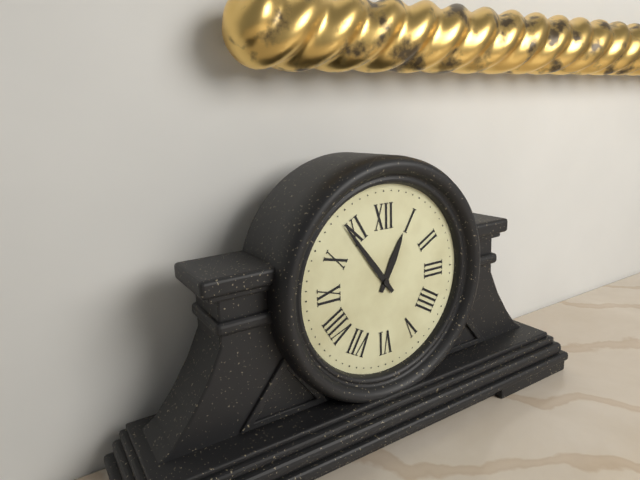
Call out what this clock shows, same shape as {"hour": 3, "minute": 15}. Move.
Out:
{"hour": 12, "minute": 54}
